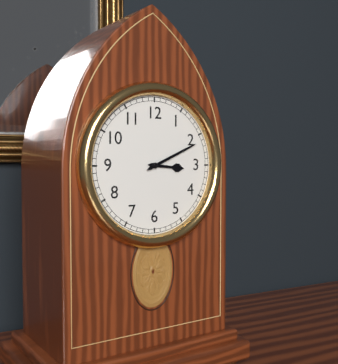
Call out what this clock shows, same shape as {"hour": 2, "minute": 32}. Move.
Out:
{"hour": 3, "minute": 11}
